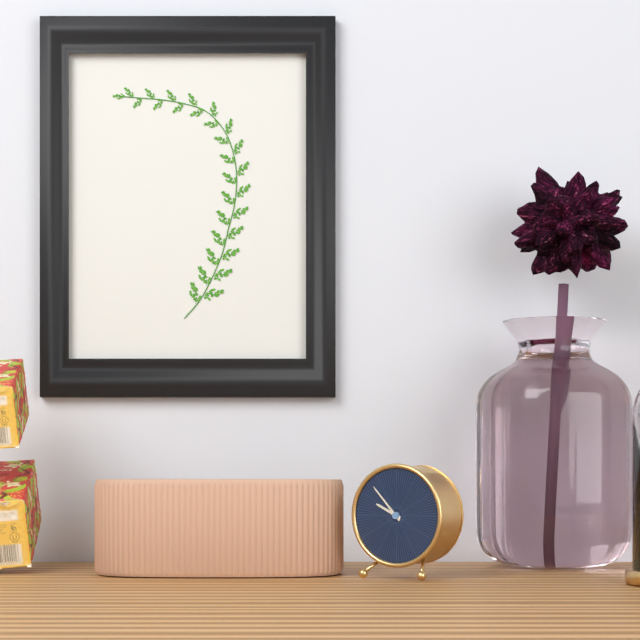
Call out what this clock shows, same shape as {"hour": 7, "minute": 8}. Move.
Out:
{"hour": 9, "minute": 53}
